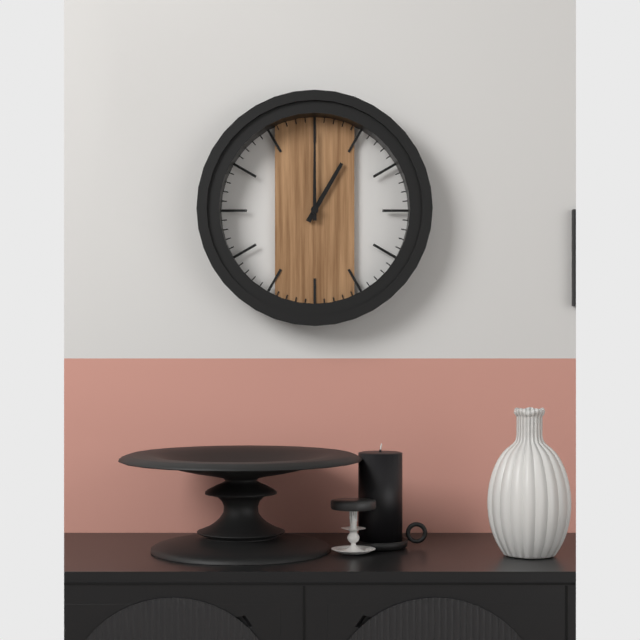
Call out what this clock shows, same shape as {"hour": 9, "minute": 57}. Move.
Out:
{"hour": 1, "minute": 0}
